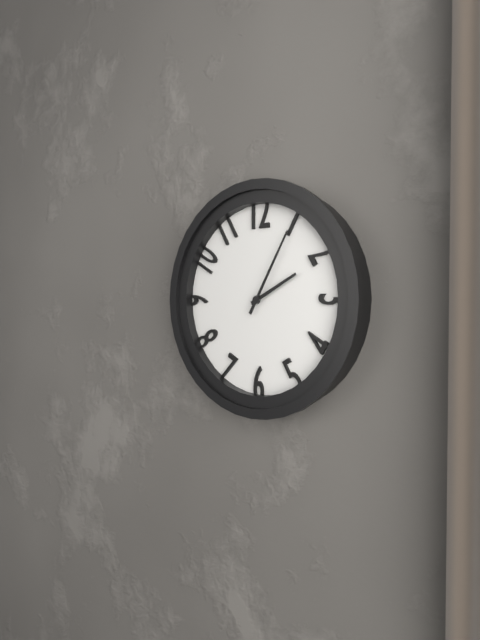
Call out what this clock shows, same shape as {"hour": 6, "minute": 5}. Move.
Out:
{"hour": 2, "minute": 5}
